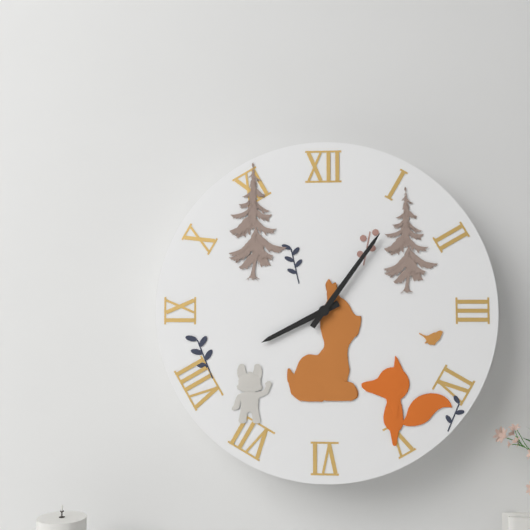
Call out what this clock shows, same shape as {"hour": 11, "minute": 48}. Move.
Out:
{"hour": 8, "minute": 6}
